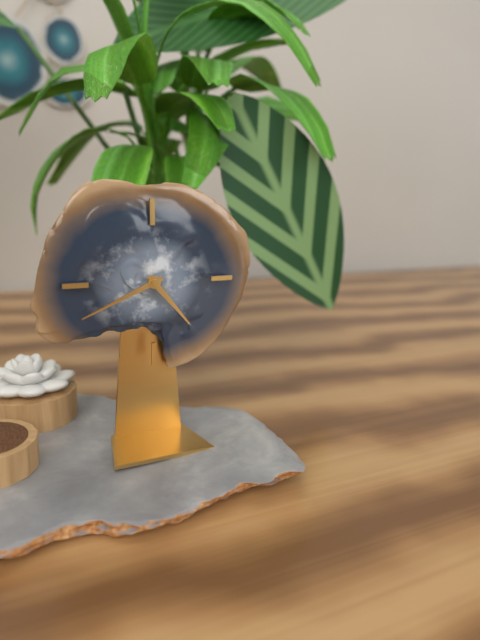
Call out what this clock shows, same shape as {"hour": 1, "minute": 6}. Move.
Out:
{"hour": 4, "minute": 41}
